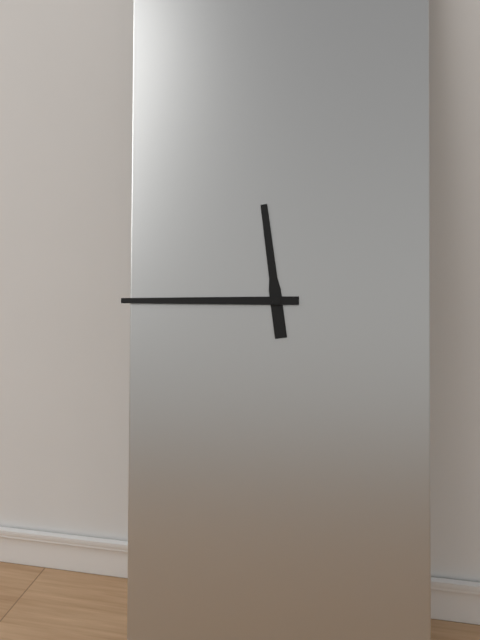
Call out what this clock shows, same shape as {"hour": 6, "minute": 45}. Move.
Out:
{"hour": 11, "minute": 45}
